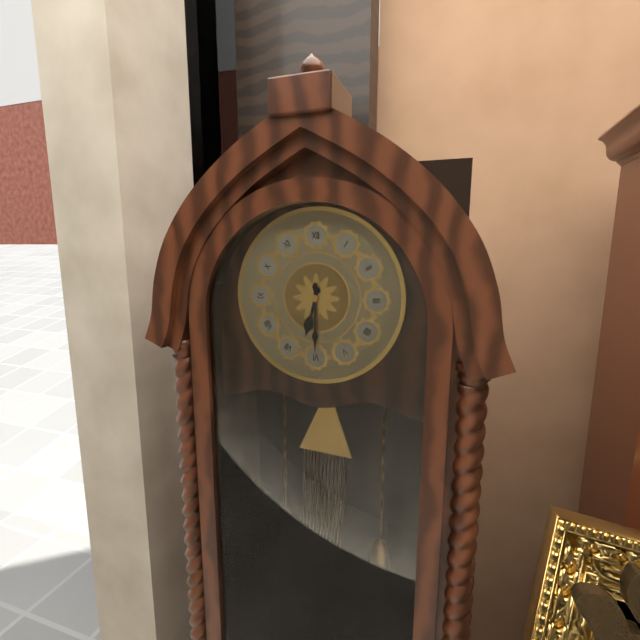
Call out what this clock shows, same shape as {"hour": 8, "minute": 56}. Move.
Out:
{"hour": 6, "minute": 30}
